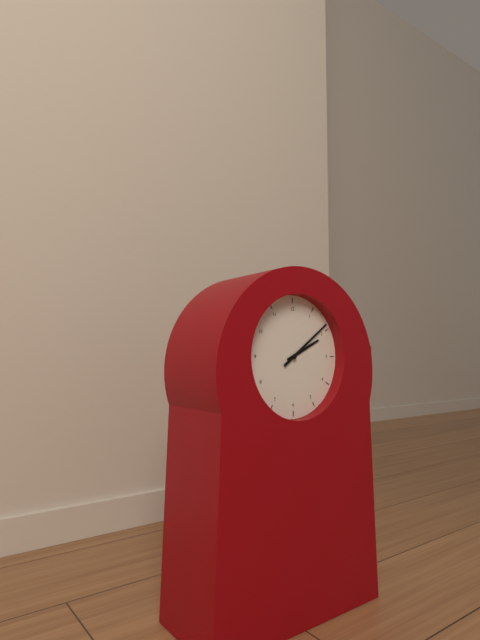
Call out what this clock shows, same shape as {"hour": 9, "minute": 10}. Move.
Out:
{"hour": 2, "minute": 9}
